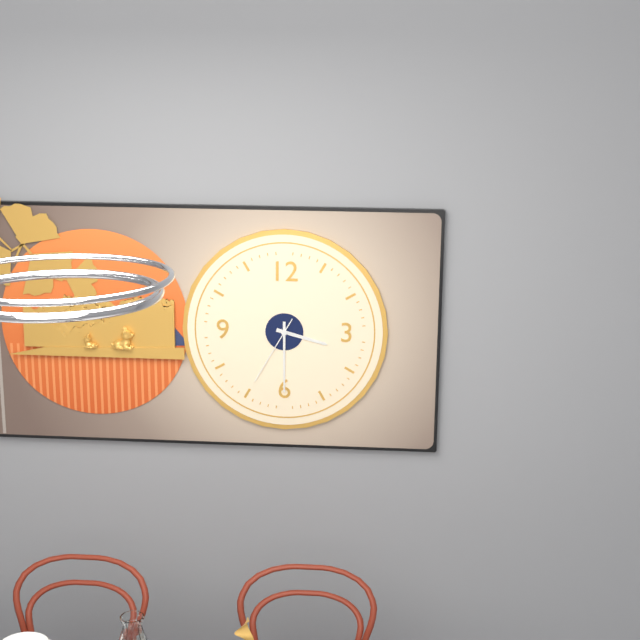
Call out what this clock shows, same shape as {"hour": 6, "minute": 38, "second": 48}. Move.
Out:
{"hour": 3, "minute": 30, "second": 35}
